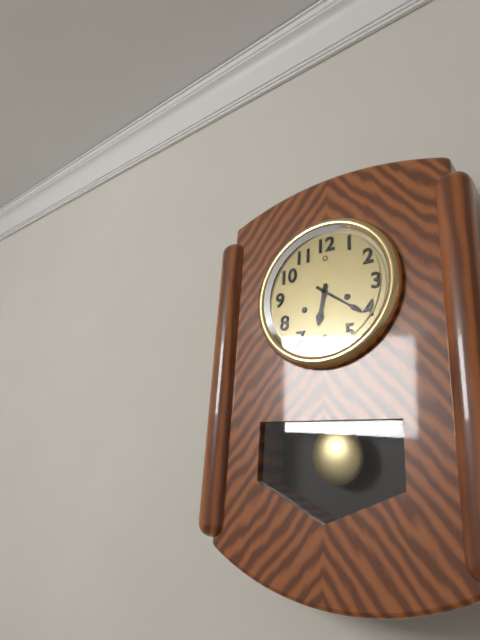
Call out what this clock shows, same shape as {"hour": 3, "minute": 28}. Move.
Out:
{"hour": 6, "minute": 21}
